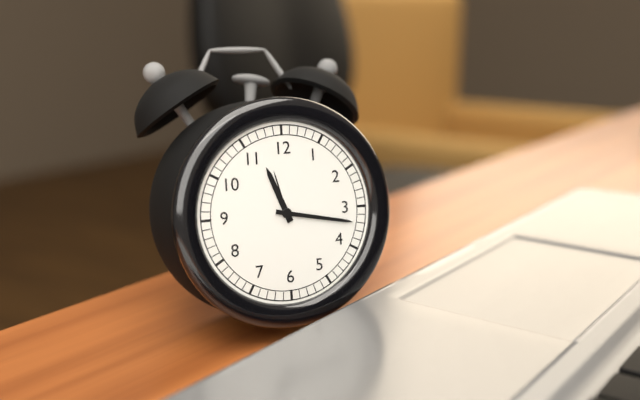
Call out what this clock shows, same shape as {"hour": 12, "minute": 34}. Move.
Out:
{"hour": 11, "minute": 17}
